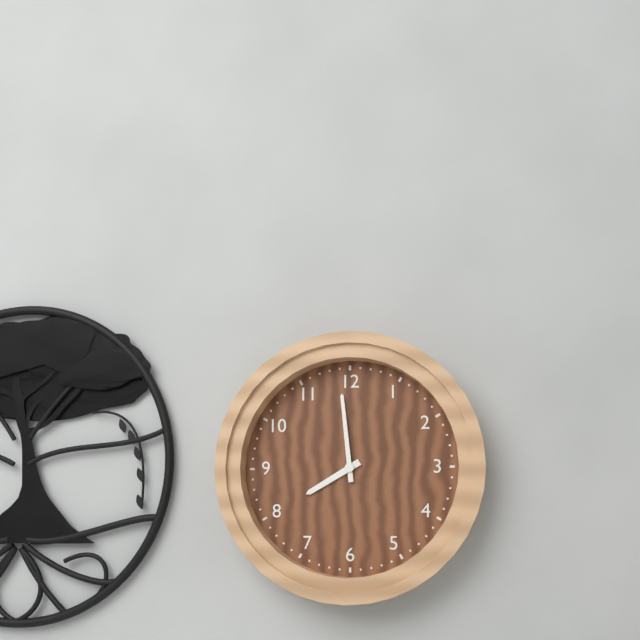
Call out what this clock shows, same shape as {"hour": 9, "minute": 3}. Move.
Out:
{"hour": 7, "minute": 59}
